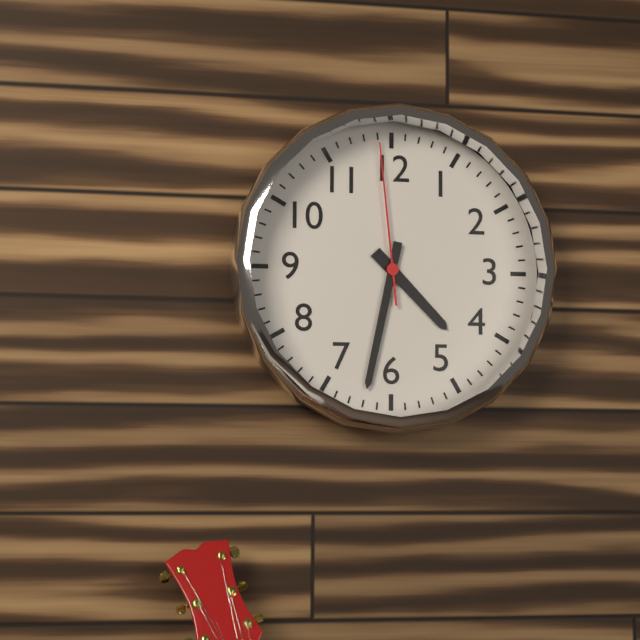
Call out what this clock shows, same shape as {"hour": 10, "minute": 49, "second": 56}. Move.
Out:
{"hour": 4, "minute": 32, "second": 59}
